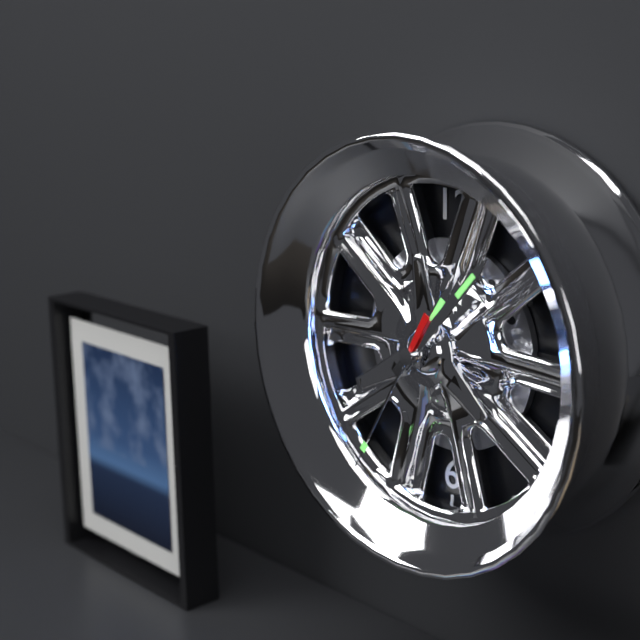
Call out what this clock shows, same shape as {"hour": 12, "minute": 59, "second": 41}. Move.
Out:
{"hour": 1, "minute": 7, "second": 35}
